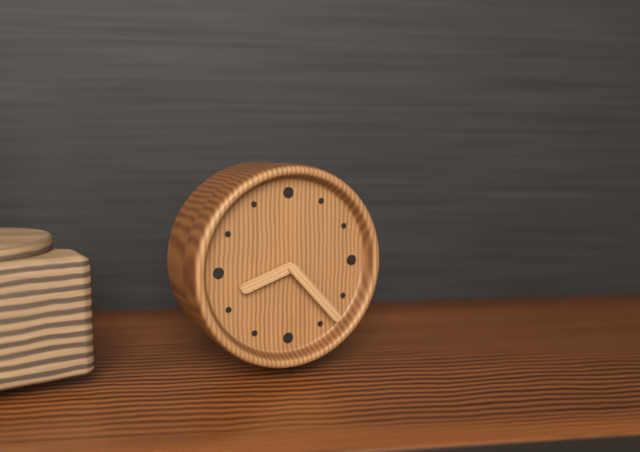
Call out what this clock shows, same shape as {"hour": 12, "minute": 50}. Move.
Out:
{"hour": 8, "minute": 23}
